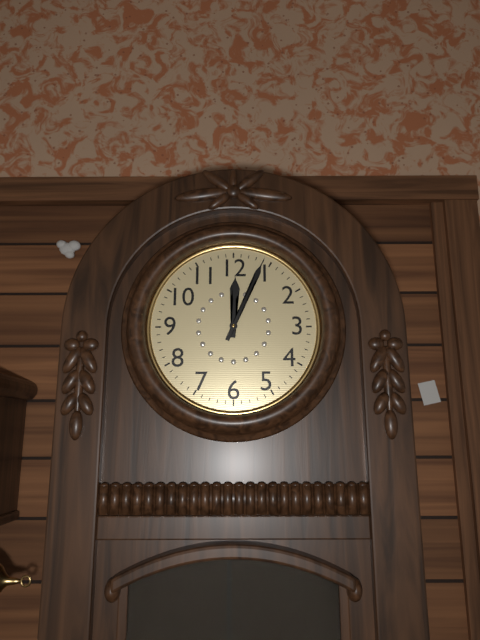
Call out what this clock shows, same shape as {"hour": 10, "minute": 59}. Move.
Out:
{"hour": 12, "minute": 4}
